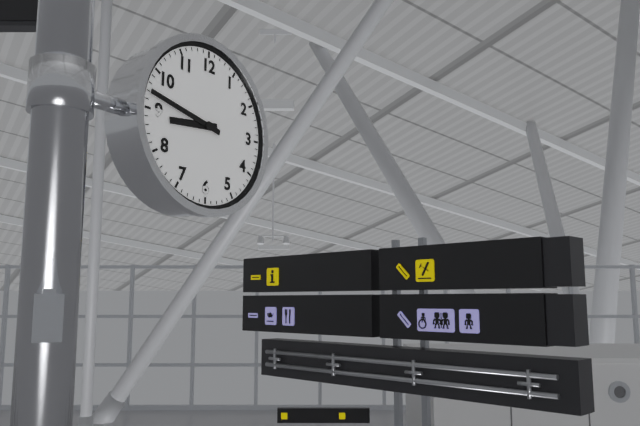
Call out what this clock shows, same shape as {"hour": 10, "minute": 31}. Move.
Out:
{"hour": 8, "minute": 47}
